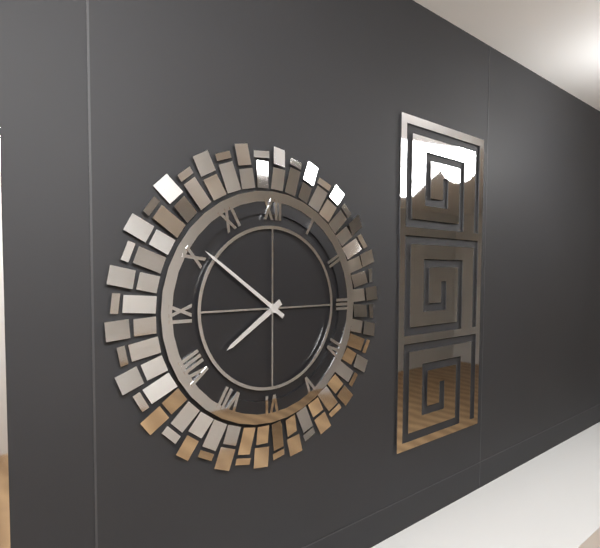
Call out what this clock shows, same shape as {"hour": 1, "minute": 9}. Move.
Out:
{"hour": 7, "minute": 51}
